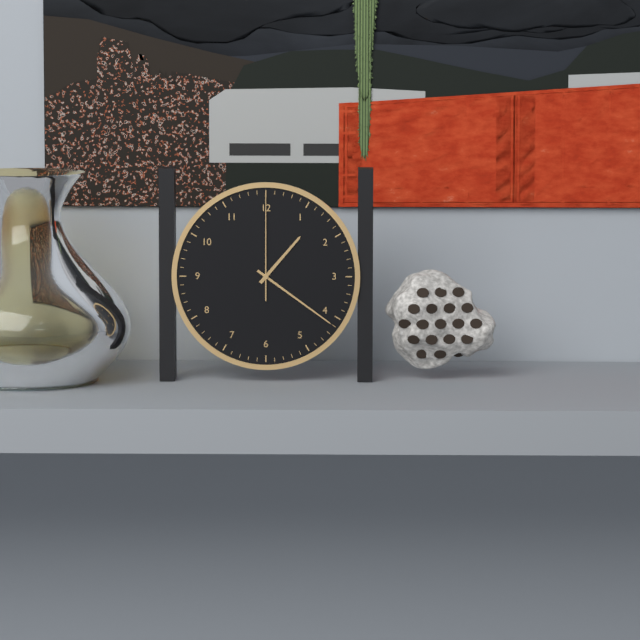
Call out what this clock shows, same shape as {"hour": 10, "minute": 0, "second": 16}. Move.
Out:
{"hour": 1, "minute": 21, "second": 0}
